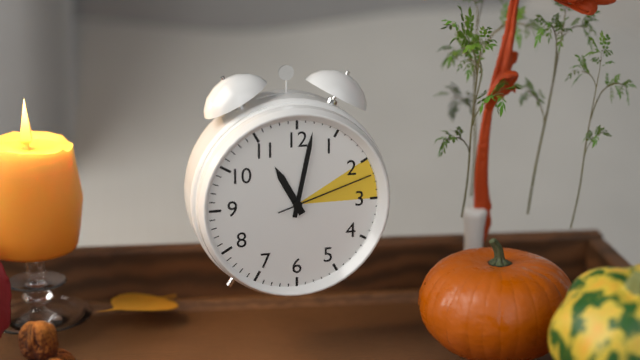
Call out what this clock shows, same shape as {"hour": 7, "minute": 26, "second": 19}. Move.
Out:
{"hour": 11, "minute": 2, "second": 12}
